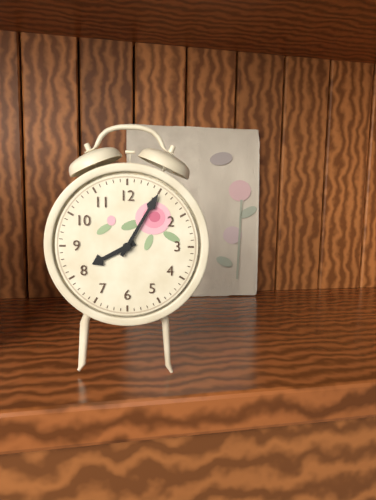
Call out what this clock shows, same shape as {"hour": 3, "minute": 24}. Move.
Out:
{"hour": 8, "minute": 5}
